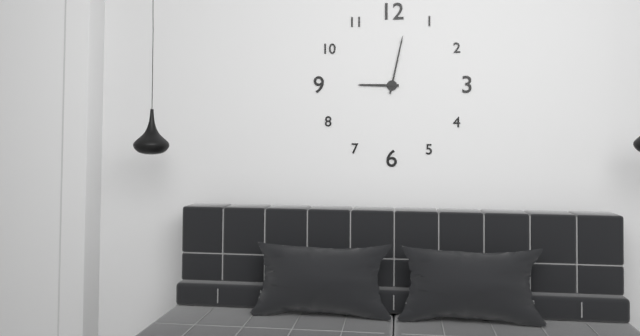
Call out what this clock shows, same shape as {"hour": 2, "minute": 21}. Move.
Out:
{"hour": 9, "minute": 2}
